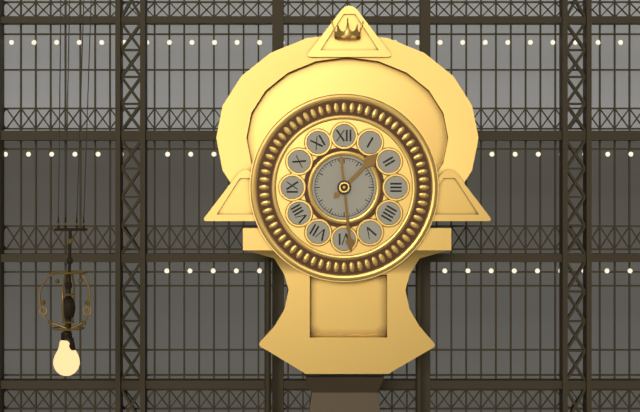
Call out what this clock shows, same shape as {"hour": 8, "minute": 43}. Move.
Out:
{"hour": 1, "minute": 29}
